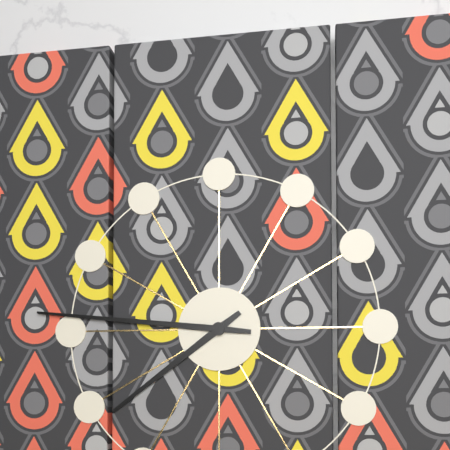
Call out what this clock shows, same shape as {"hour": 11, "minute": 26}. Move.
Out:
{"hour": 7, "minute": 46}
